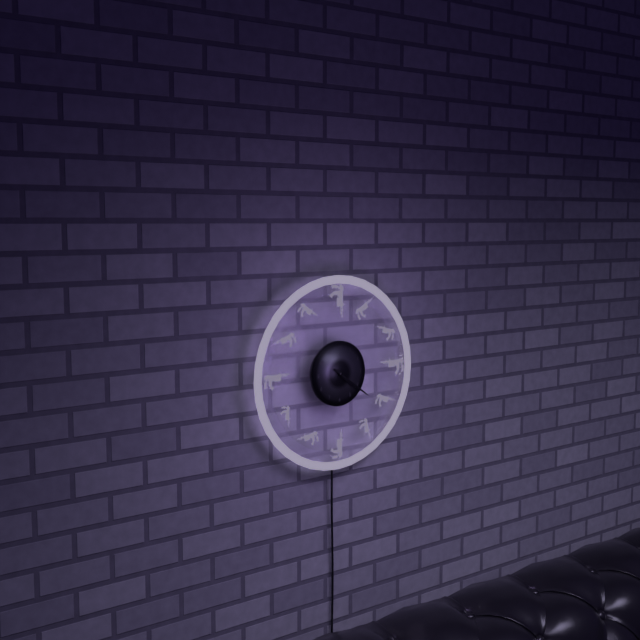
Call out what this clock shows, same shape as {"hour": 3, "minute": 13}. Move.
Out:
{"hour": 4, "minute": 21}
